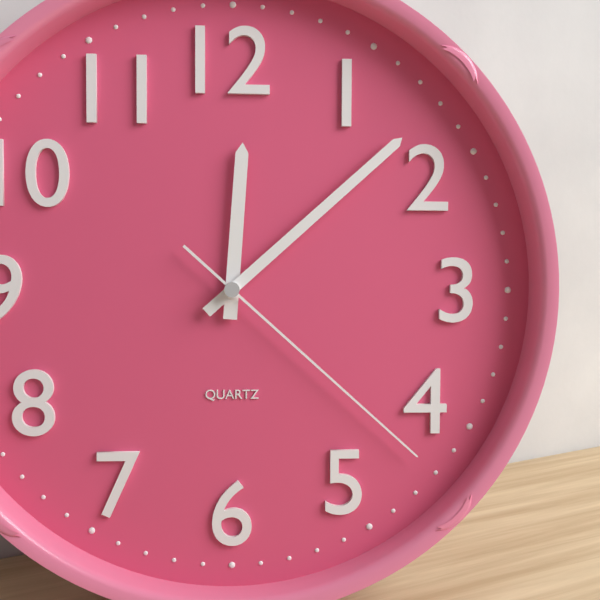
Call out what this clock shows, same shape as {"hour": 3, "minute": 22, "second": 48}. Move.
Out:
{"hour": 12, "minute": 8, "second": 22}
